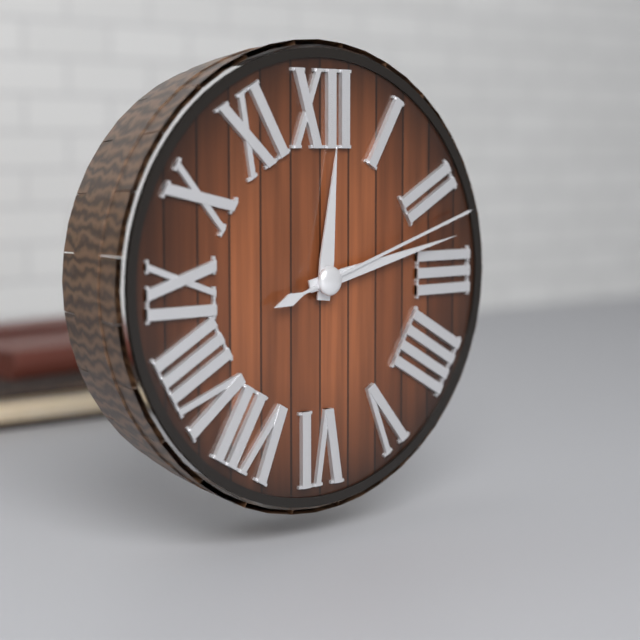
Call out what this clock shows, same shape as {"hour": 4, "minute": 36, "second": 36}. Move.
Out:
{"hour": 12, "minute": 13, "second": 12}
